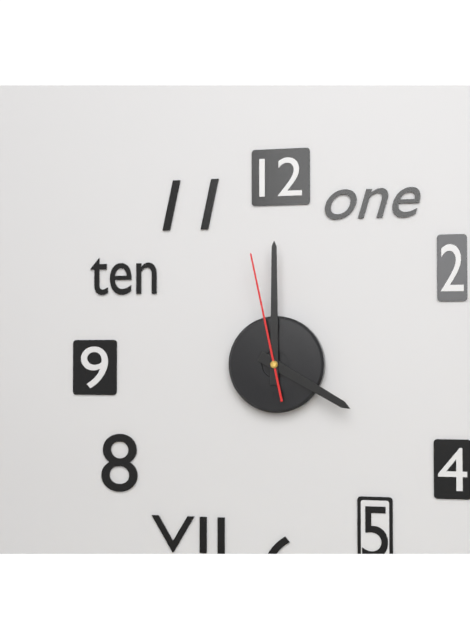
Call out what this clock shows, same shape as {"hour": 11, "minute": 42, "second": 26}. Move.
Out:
{"hour": 4, "minute": 0, "second": 58}
